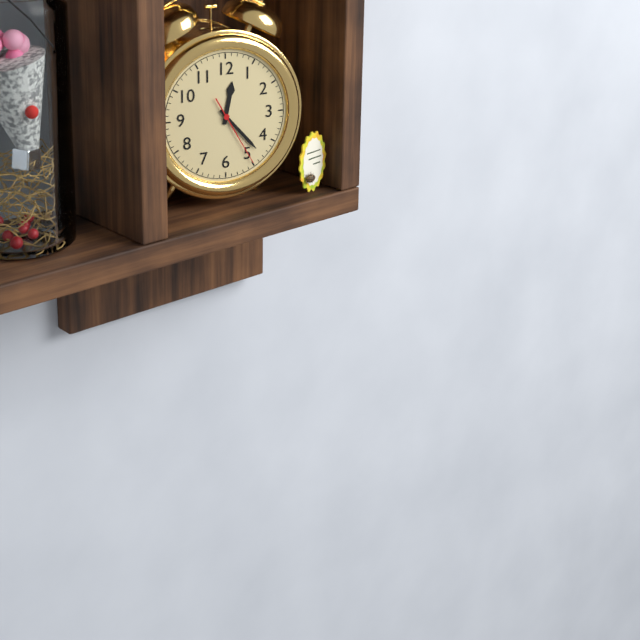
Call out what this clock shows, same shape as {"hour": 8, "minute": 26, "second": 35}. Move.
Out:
{"hour": 12, "minute": 23, "second": 25}
